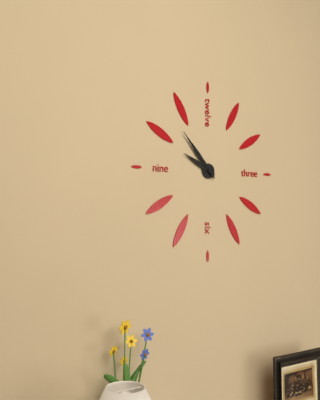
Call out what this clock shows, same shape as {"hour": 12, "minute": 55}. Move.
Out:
{"hour": 9, "minute": 53}
